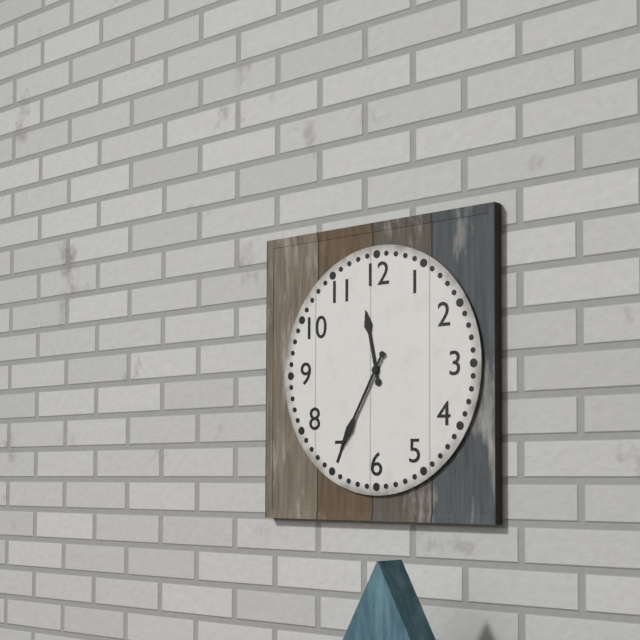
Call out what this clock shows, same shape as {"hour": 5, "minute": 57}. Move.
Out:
{"hour": 11, "minute": 35}
